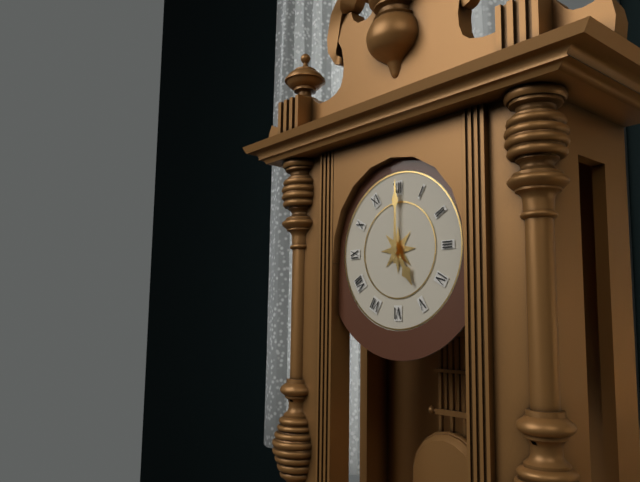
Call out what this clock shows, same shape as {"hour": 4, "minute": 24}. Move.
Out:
{"hour": 5, "minute": 0}
